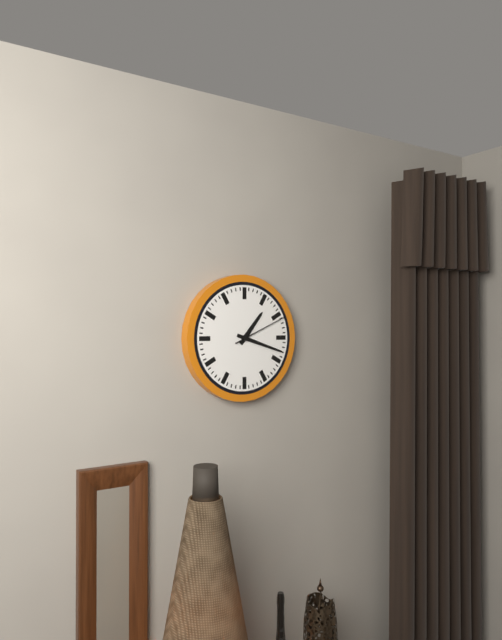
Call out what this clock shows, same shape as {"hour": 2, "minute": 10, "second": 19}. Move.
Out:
{"hour": 1, "minute": 18, "second": 11}
